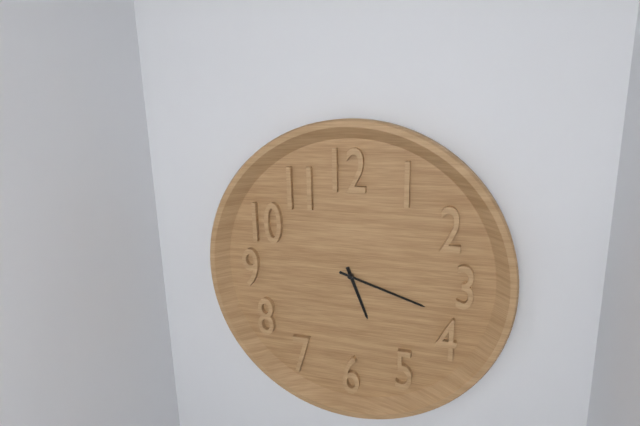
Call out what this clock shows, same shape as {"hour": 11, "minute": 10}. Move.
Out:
{"hour": 5, "minute": 18}
